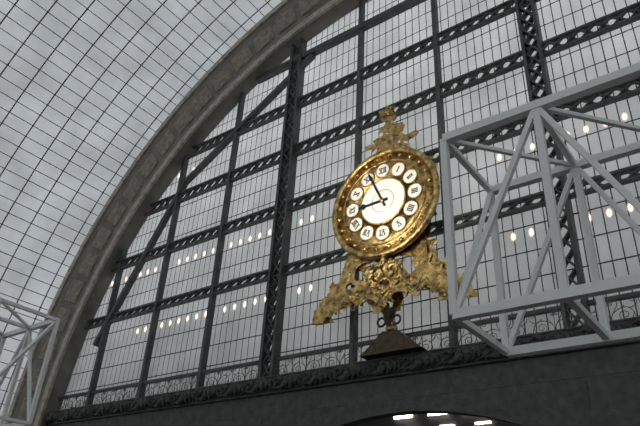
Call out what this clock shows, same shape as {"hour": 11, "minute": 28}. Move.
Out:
{"hour": 8, "minute": 56}
